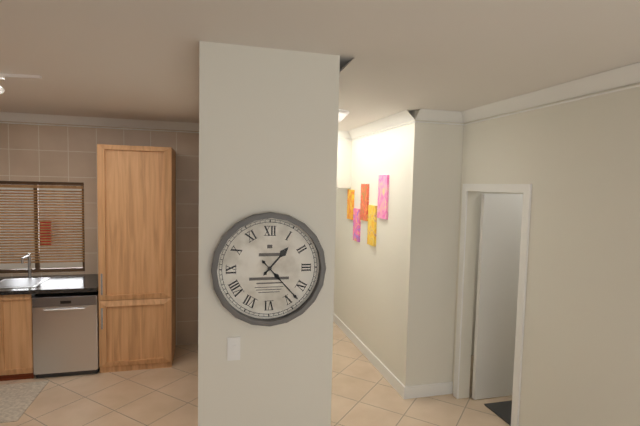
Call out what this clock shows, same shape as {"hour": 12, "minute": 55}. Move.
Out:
{"hour": 1, "minute": 23}
